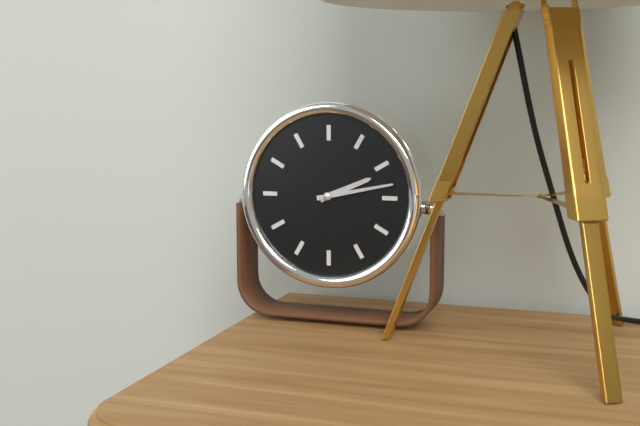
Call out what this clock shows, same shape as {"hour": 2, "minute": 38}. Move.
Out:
{"hour": 2, "minute": 13}
